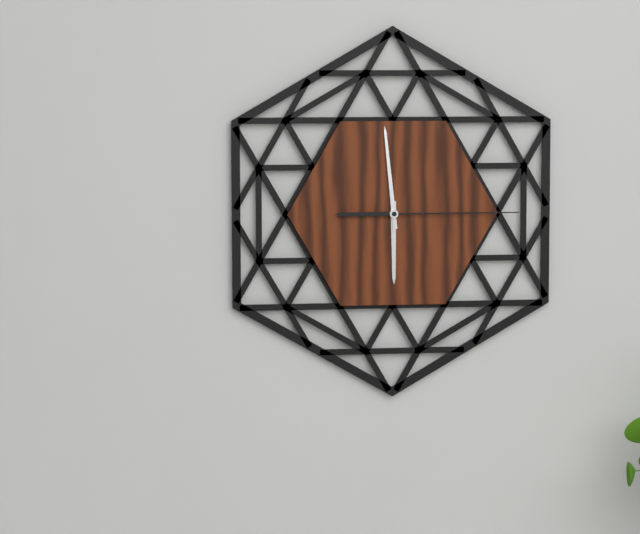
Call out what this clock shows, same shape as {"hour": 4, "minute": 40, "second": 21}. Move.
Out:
{"hour": 5, "minute": 59, "second": 15}
